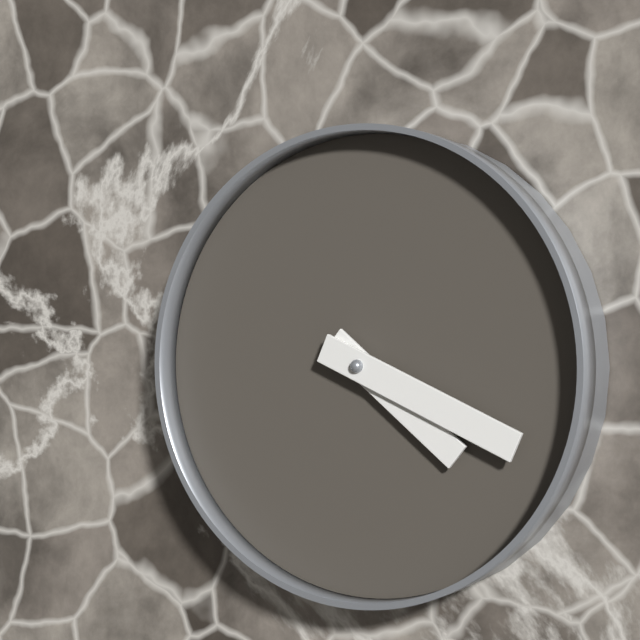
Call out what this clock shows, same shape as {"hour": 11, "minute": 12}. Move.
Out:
{"hour": 4, "minute": 19}
